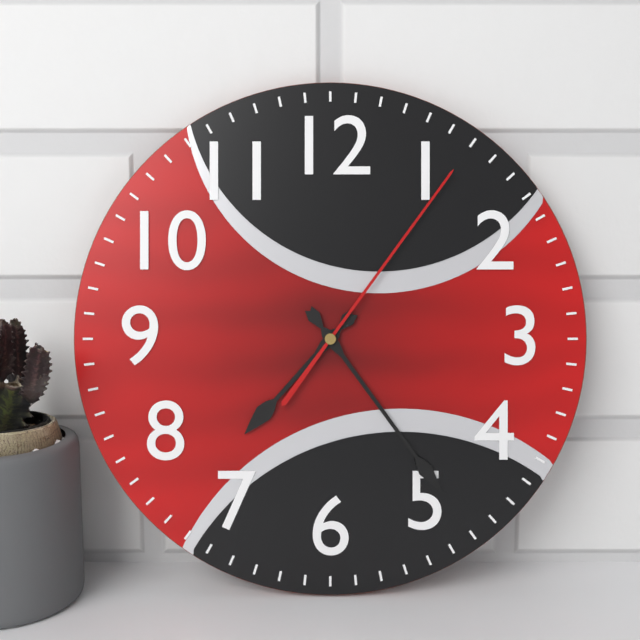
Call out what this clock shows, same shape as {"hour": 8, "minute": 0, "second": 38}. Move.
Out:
{"hour": 7, "minute": 24, "second": 6}
